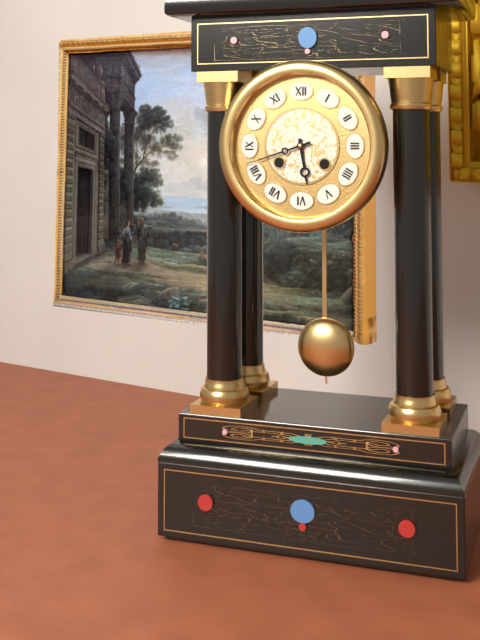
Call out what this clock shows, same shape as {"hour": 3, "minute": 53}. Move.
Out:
{"hour": 5, "minute": 42}
